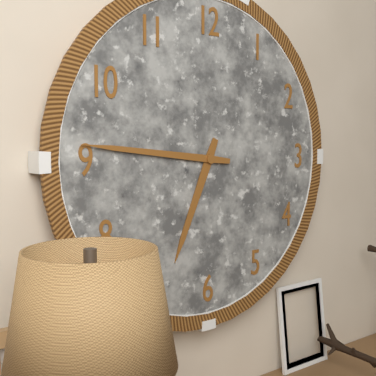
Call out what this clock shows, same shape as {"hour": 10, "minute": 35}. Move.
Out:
{"hour": 6, "minute": 46}
